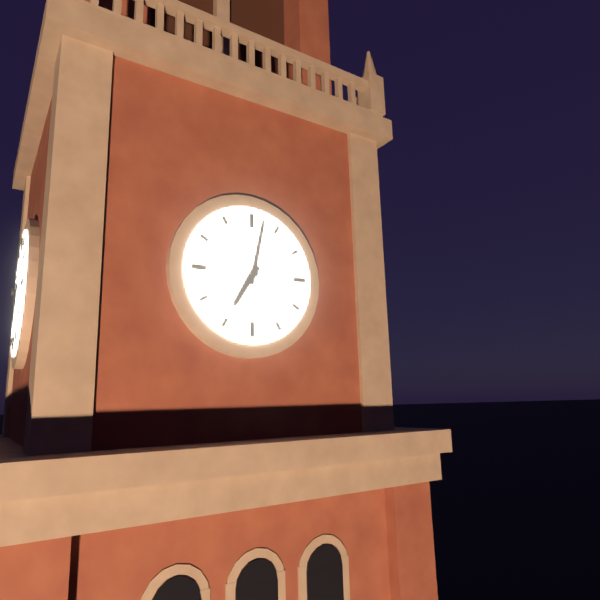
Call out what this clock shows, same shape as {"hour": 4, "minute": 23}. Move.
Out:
{"hour": 7, "minute": 2}
